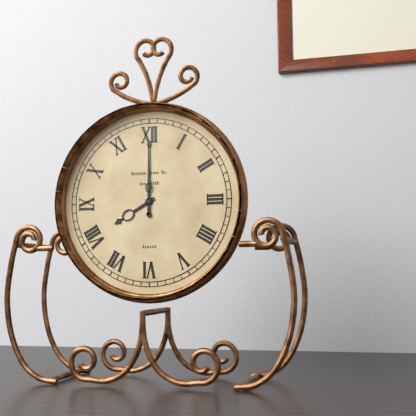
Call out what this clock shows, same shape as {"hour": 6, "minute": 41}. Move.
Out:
{"hour": 8, "minute": 0}
